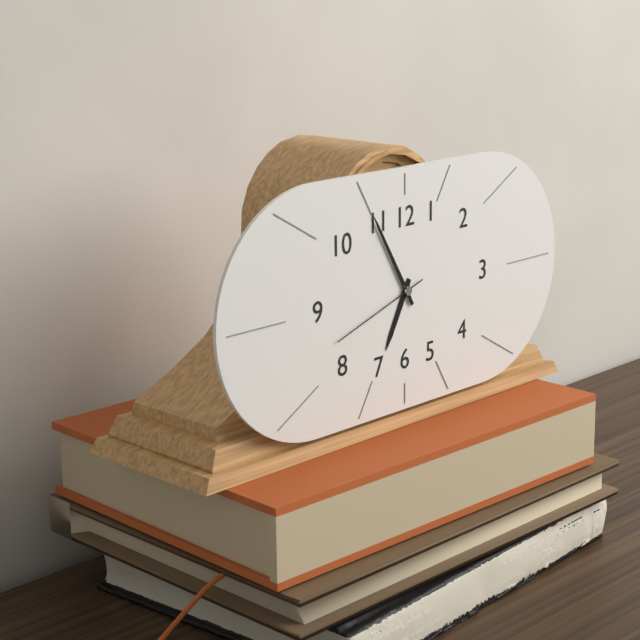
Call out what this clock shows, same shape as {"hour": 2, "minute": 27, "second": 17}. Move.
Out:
{"hour": 6, "minute": 55, "second": 42}
